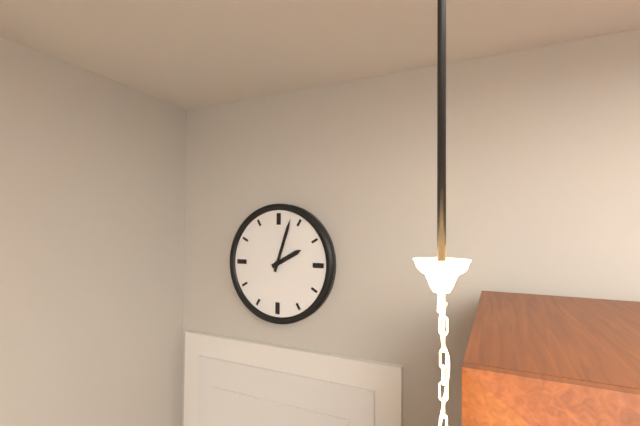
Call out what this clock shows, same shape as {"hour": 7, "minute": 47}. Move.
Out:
{"hour": 2, "minute": 3}
